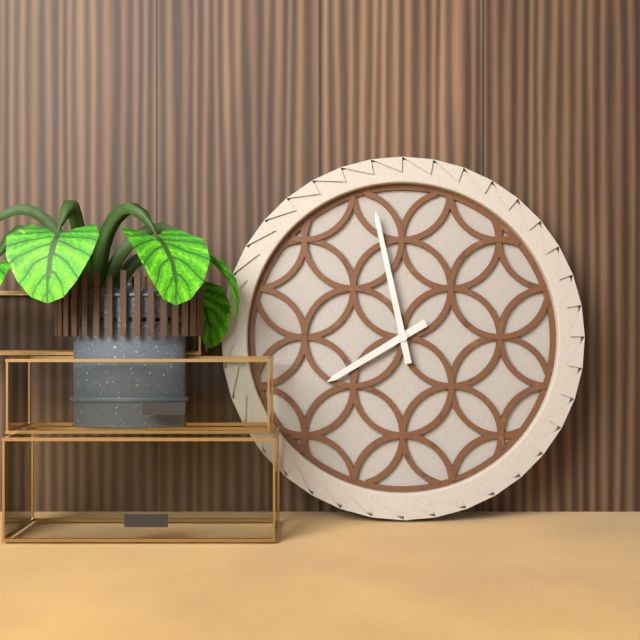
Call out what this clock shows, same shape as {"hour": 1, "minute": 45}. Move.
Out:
{"hour": 7, "minute": 58}
